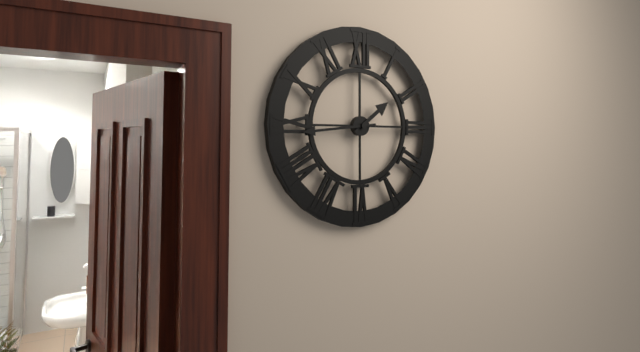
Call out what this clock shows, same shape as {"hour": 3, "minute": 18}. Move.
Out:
{"hour": 1, "minute": 44}
